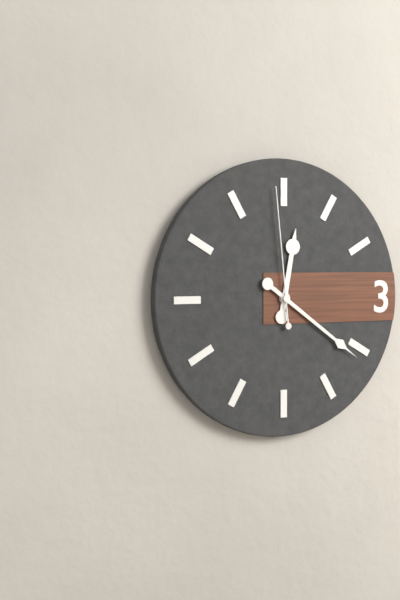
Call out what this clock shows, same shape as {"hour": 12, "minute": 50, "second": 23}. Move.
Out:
{"hour": 12, "minute": 21, "second": 59}
